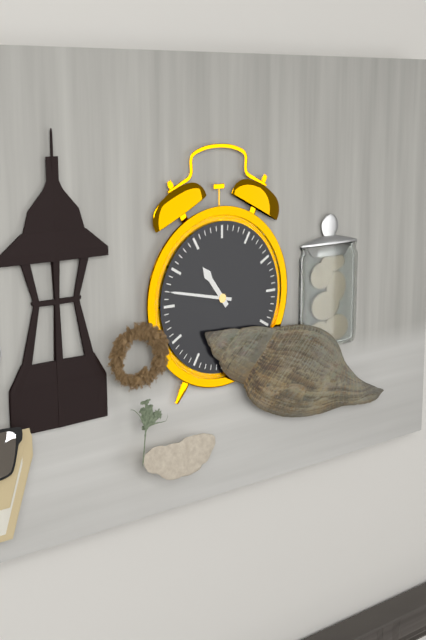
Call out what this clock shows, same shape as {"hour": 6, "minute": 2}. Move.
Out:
{"hour": 10, "minute": 47}
